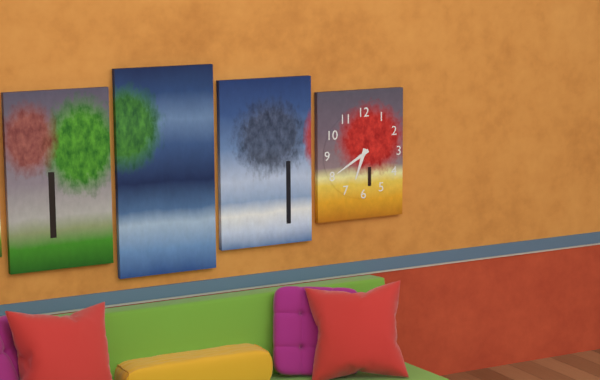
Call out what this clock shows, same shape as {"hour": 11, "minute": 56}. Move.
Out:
{"hour": 6, "minute": 40}
